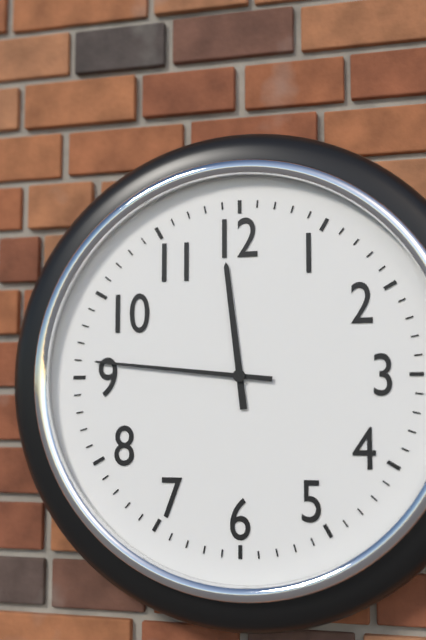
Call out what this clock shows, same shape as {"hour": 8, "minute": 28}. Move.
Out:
{"hour": 11, "minute": 46}
